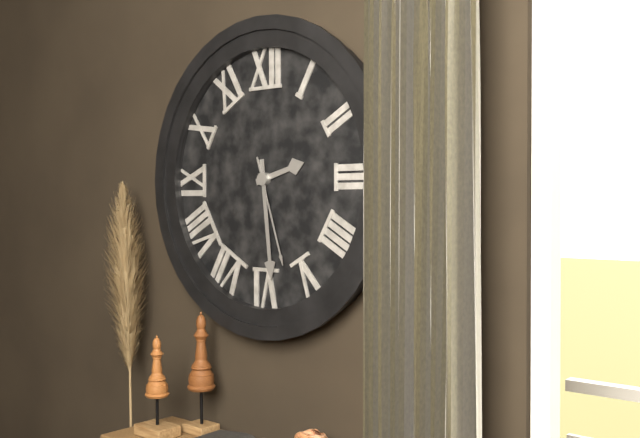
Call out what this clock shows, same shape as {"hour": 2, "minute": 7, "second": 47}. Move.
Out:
{"hour": 2, "minute": 29, "second": 27}
